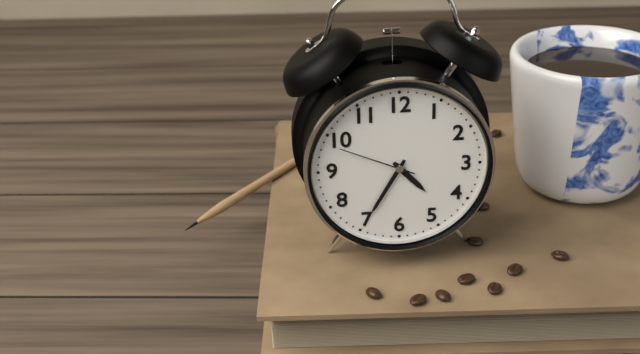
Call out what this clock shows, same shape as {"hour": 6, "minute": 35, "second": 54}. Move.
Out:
{"hour": 4, "minute": 35, "second": 49}
